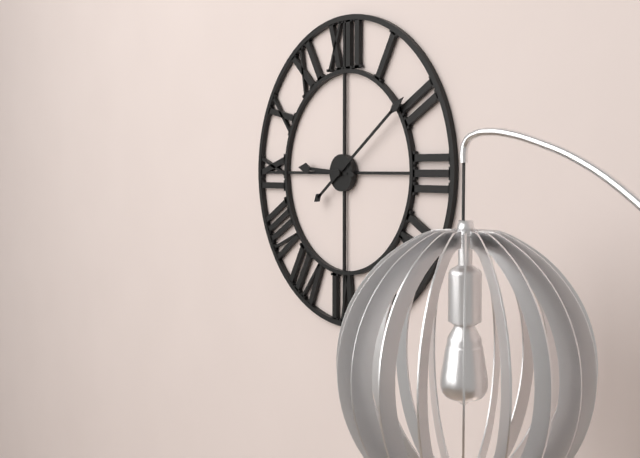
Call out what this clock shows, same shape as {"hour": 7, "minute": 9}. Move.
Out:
{"hour": 9, "minute": 9}
